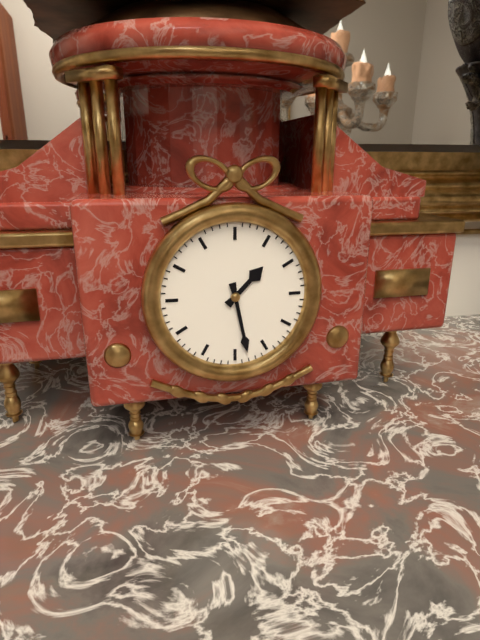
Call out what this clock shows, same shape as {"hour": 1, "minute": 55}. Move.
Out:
{"hour": 1, "minute": 28}
